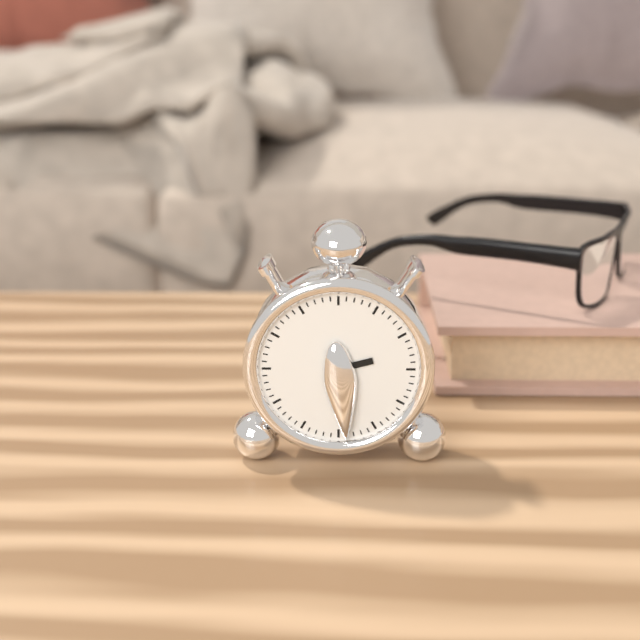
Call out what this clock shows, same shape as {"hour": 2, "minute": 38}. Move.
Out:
{"hour": 2, "minute": 29}
